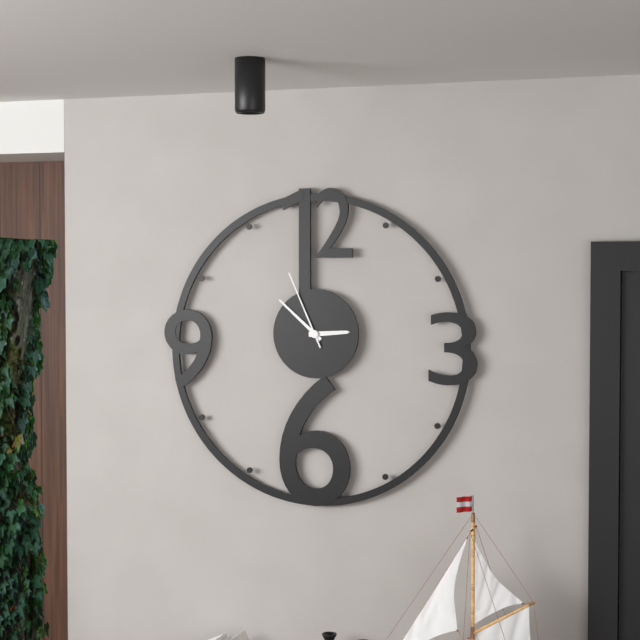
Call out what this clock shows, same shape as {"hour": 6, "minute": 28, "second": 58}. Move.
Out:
{"hour": 2, "minute": 52, "second": 56}
